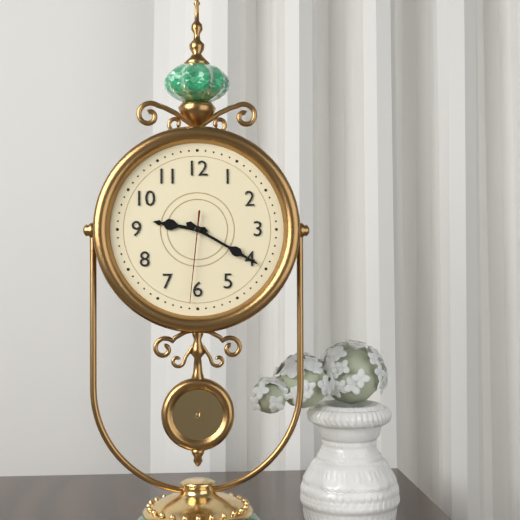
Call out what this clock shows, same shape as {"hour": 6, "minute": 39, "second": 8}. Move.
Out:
{"hour": 9, "minute": 20, "second": 31}
